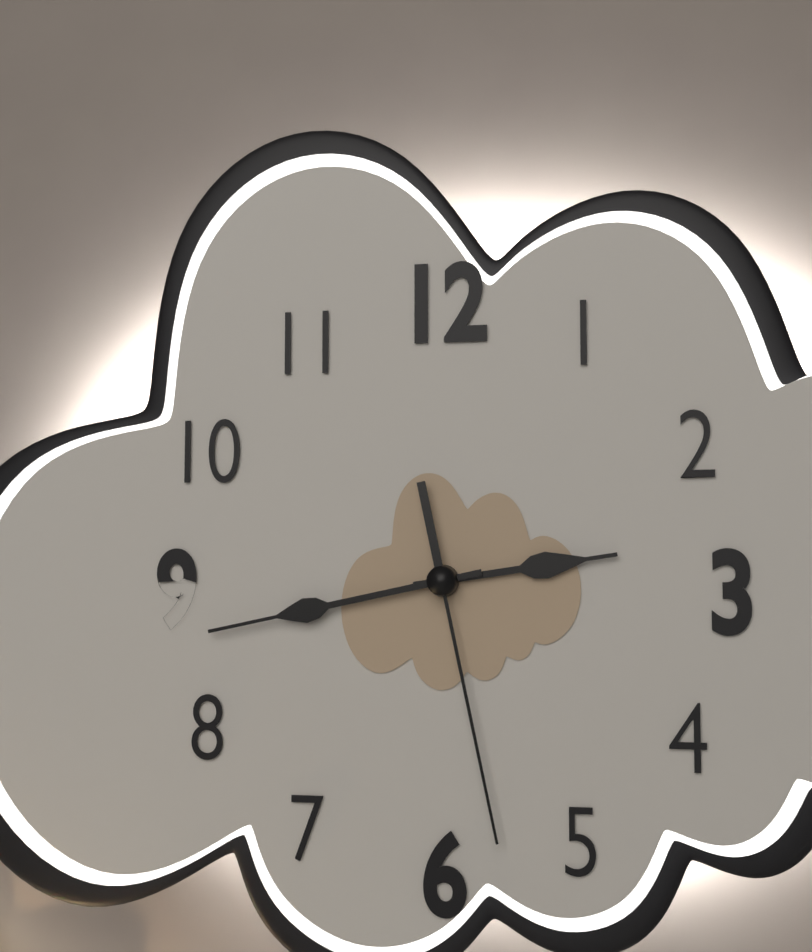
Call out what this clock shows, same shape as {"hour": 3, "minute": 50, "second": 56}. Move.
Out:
{"hour": 2, "minute": 43, "second": 28}
